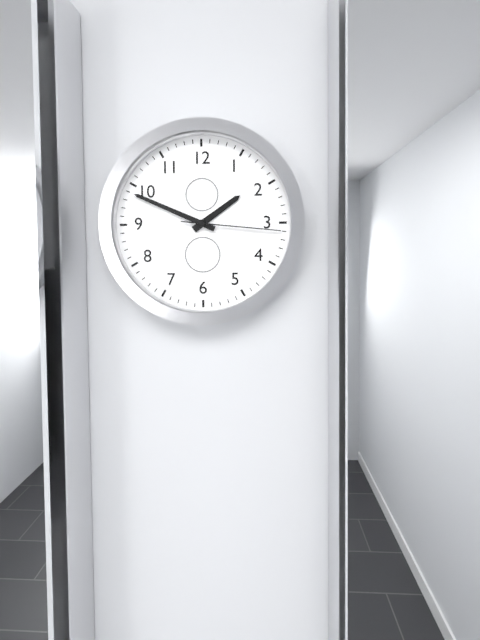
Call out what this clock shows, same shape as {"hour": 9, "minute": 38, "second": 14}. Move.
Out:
{"hour": 1, "minute": 49, "second": 16}
